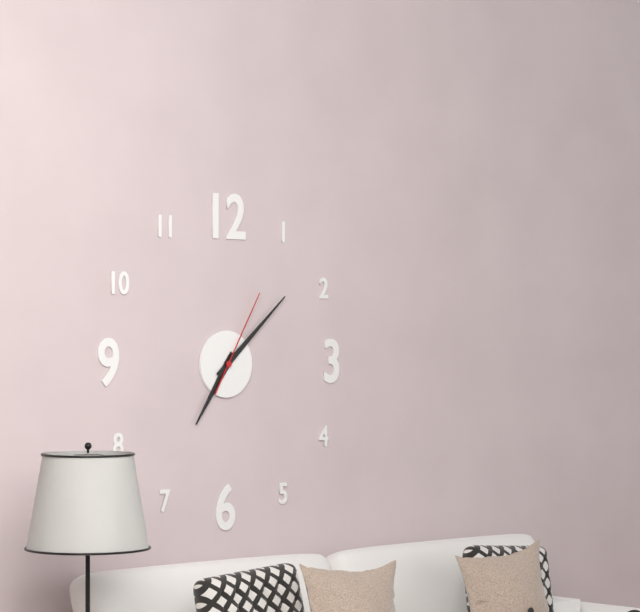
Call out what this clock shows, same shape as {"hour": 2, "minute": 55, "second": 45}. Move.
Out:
{"hour": 7, "minute": 8, "second": 5}
